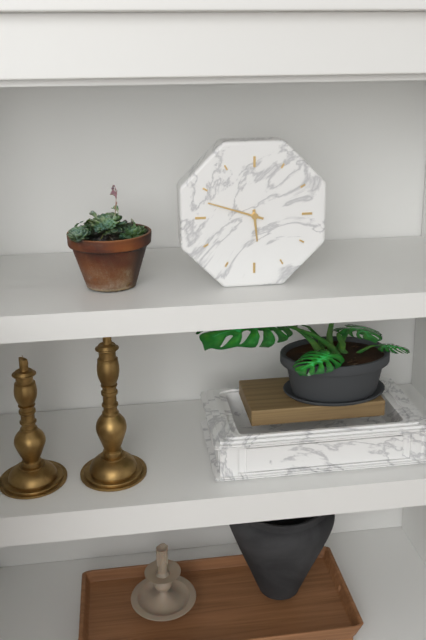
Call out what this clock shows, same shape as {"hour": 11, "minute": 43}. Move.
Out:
{"hour": 5, "minute": 48}
